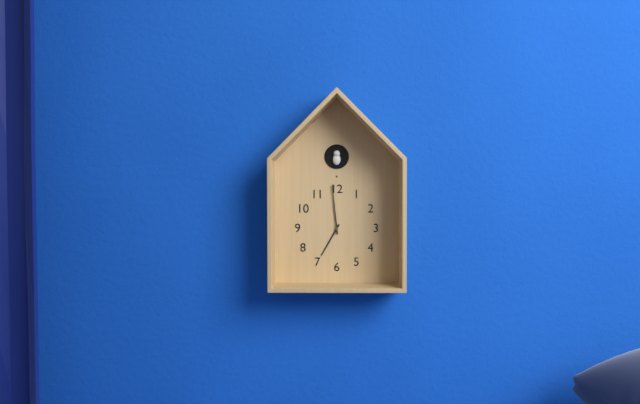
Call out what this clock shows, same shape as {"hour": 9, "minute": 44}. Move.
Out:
{"hour": 6, "minute": 59}
